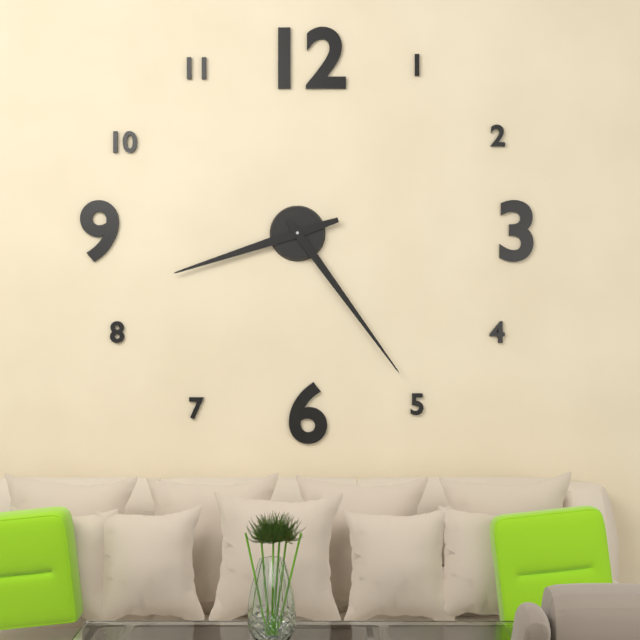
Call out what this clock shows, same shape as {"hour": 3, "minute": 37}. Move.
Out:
{"hour": 8, "minute": 24}
